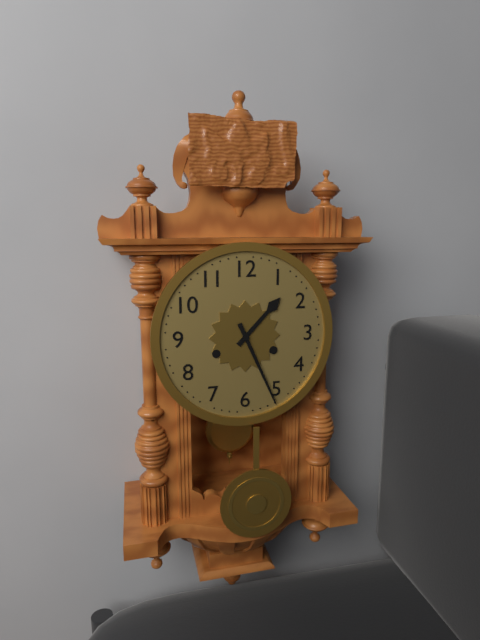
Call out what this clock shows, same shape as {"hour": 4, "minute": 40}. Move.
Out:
{"hour": 1, "minute": 26}
